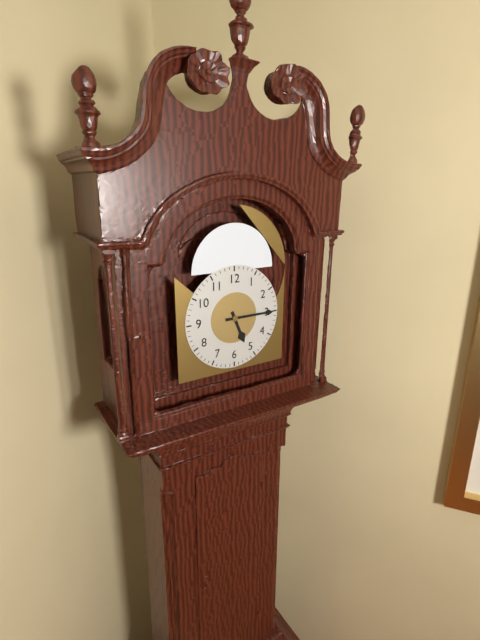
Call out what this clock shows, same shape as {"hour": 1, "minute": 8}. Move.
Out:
{"hour": 5, "minute": 15}
